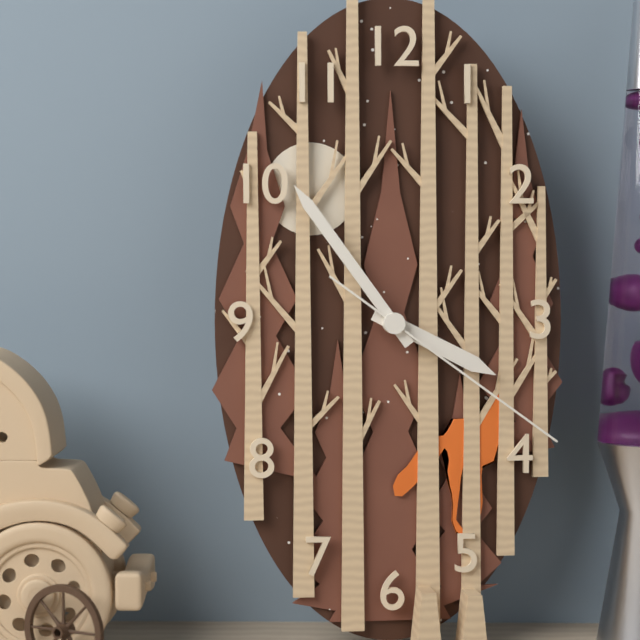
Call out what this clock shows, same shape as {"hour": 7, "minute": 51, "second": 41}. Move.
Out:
{"hour": 3, "minute": 54, "second": 21}
